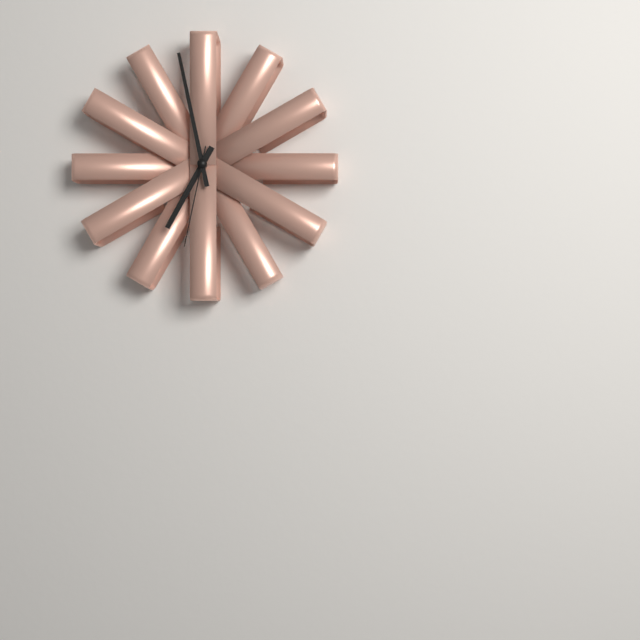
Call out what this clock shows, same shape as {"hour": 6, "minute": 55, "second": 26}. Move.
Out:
{"hour": 6, "minute": 58, "second": 32}
